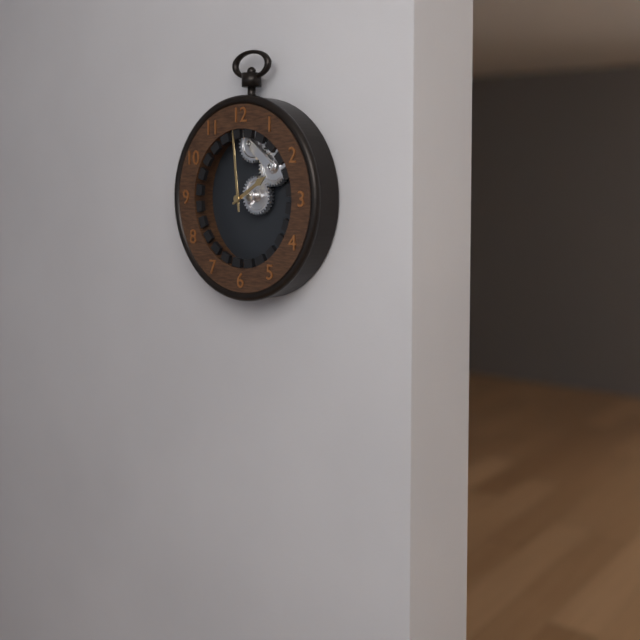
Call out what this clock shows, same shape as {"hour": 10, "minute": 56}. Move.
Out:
{"hour": 1, "minute": 59}
